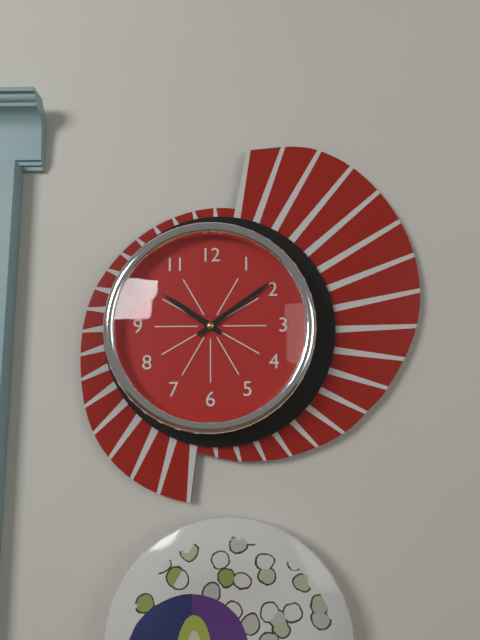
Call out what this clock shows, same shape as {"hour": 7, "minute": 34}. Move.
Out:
{"hour": 10, "minute": 9}
